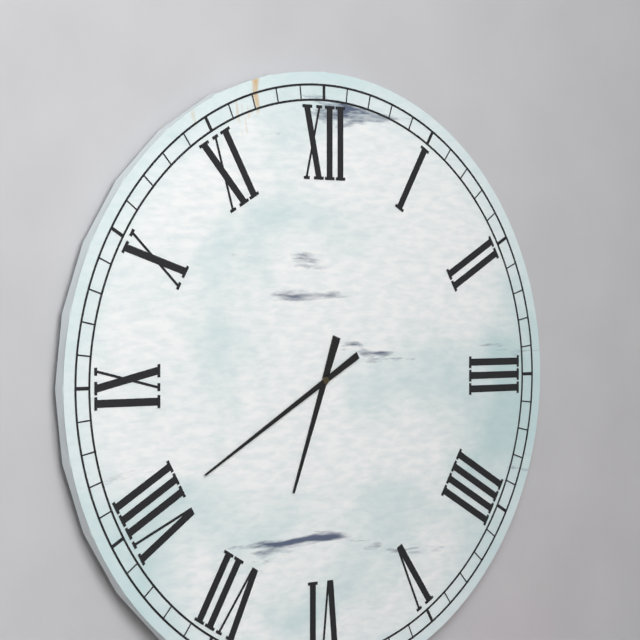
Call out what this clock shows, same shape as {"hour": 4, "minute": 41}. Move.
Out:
{"hour": 6, "minute": 40}
